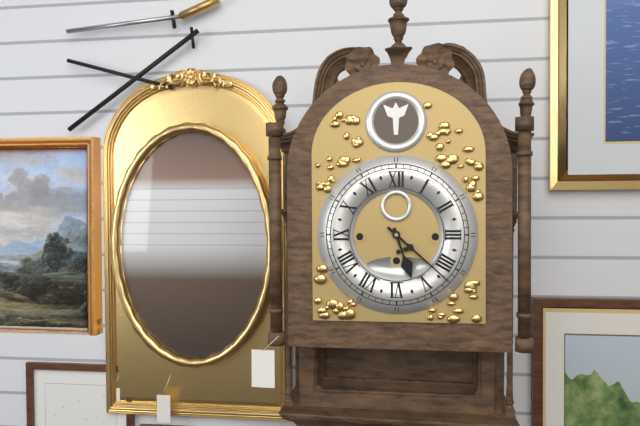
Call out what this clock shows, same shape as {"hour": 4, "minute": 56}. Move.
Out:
{"hour": 5, "minute": 22}
